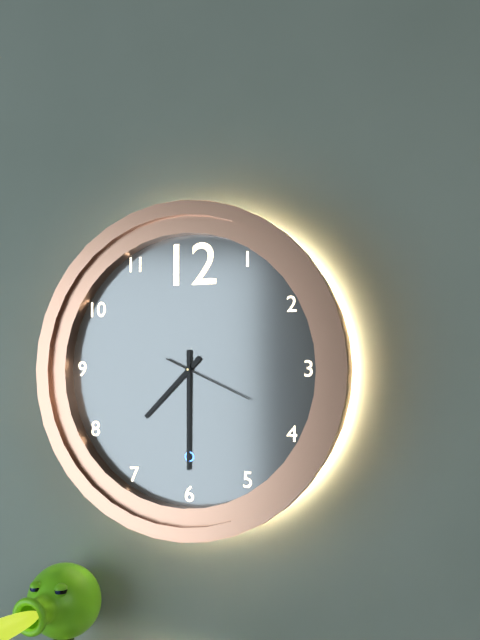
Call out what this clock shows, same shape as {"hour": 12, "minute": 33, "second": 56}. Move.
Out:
{"hour": 7, "minute": 30, "second": 19}
